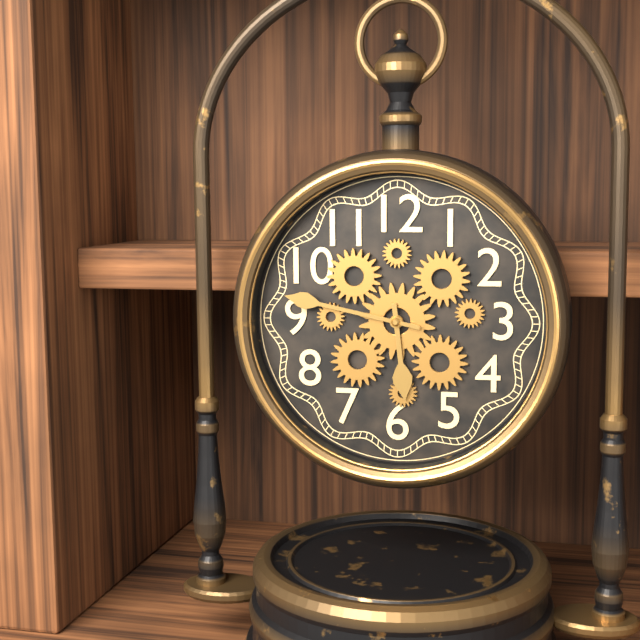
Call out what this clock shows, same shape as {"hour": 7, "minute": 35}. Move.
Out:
{"hour": 5, "minute": 47}
